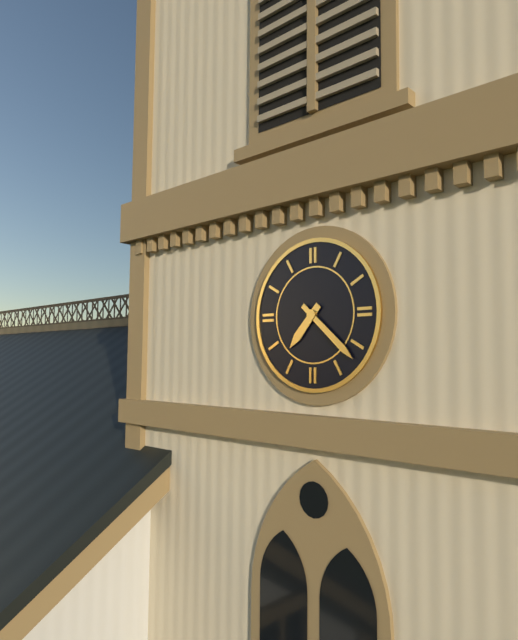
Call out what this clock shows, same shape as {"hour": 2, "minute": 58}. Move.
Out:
{"hour": 7, "minute": 22}
